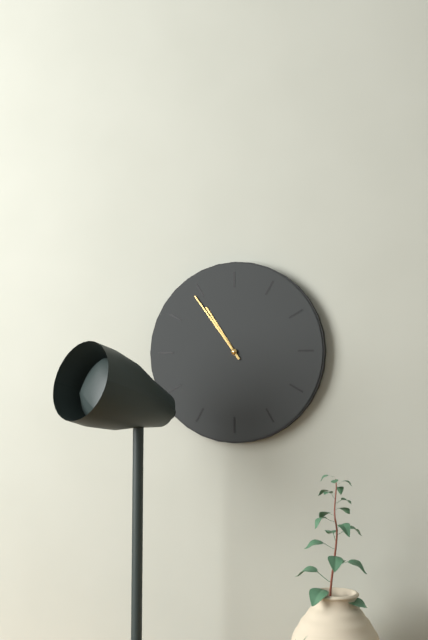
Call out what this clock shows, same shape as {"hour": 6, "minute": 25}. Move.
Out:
{"hour": 10, "minute": 54}
